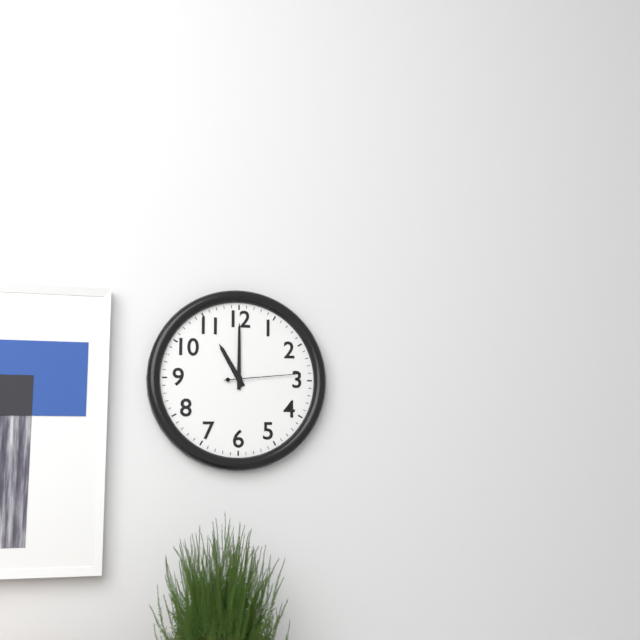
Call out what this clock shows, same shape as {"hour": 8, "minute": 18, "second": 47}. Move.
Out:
{"hour": 11, "minute": 0, "second": 14}
